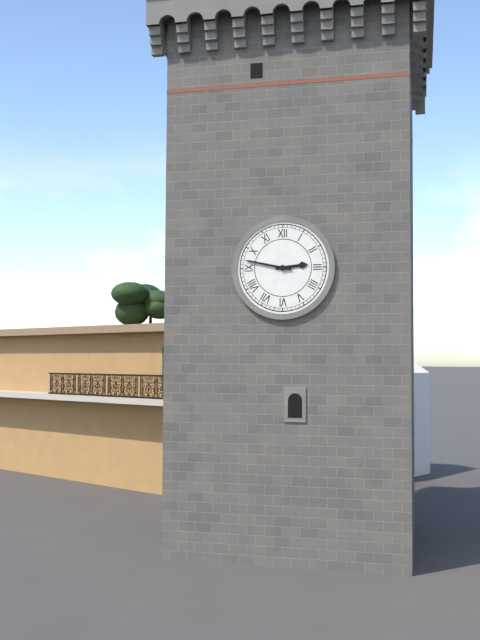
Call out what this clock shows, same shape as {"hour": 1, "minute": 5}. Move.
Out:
{"hour": 2, "minute": 47}
